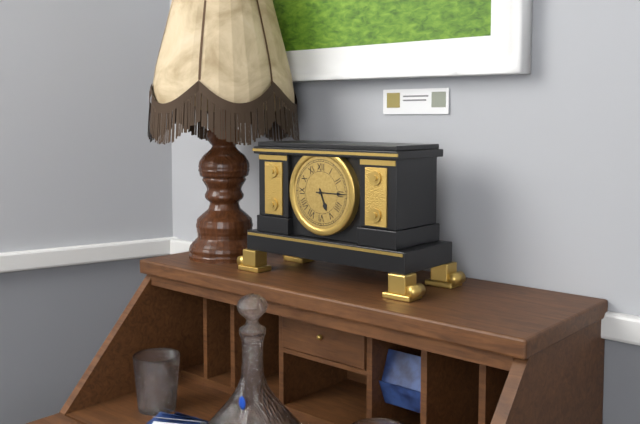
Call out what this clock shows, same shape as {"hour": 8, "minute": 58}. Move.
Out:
{"hour": 5, "minute": 15}
